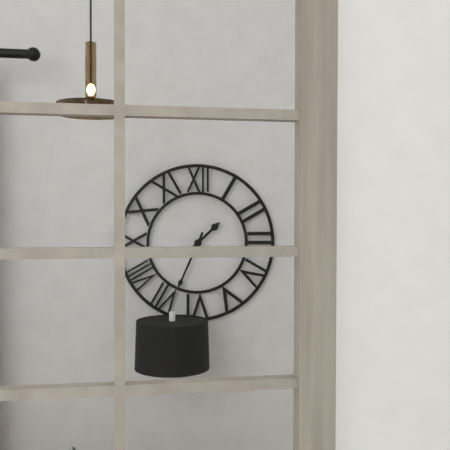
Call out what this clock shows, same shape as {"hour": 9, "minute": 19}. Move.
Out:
{"hour": 1, "minute": 34}
